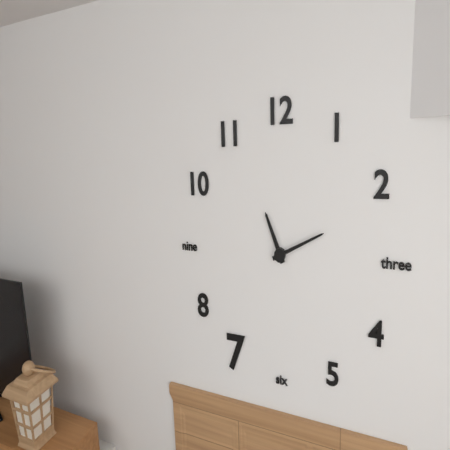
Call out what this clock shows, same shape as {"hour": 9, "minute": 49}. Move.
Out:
{"hour": 11, "minute": 11}
